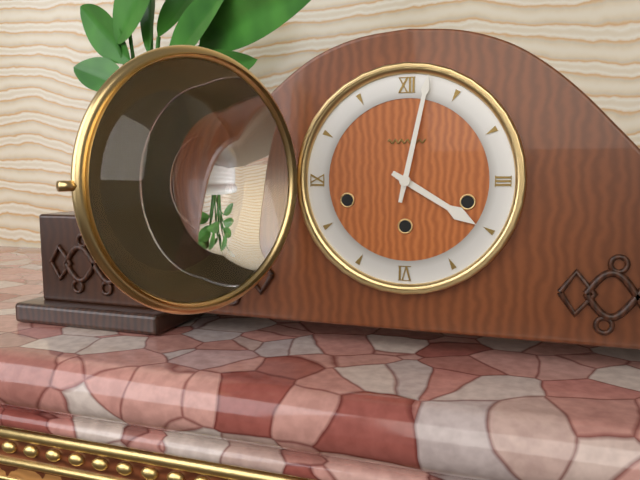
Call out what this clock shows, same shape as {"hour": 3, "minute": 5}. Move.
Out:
{"hour": 4, "minute": 2}
